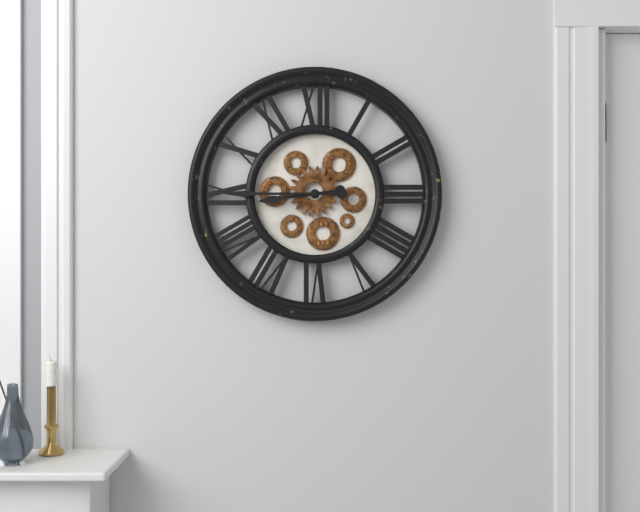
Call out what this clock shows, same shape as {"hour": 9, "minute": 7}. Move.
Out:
{"hour": 8, "minute": 45}
